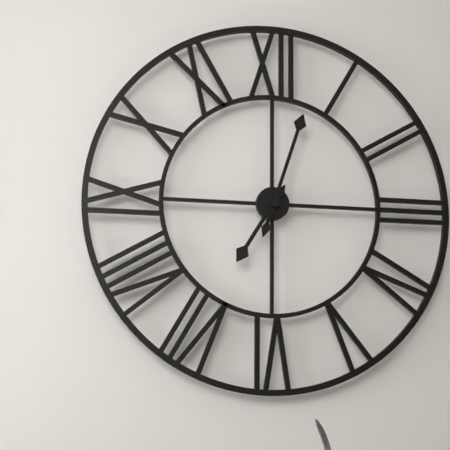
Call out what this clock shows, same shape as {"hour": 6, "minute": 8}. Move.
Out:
{"hour": 7, "minute": 3}
